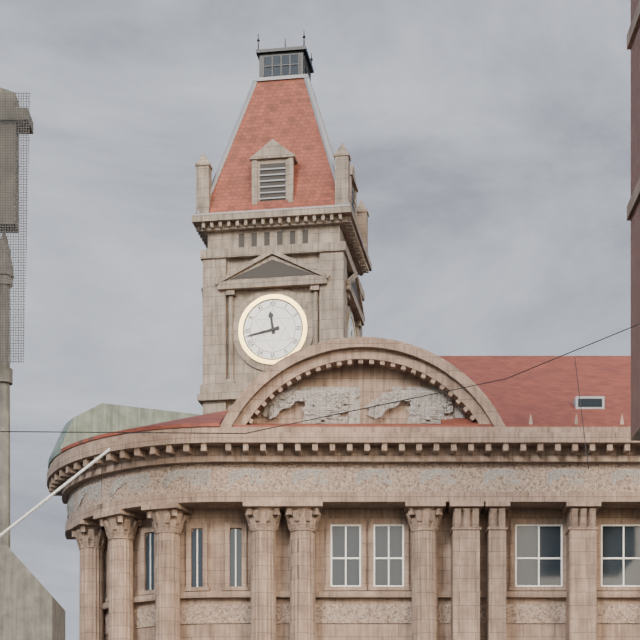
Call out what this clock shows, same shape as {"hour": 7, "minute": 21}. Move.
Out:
{"hour": 11, "minute": 43}
